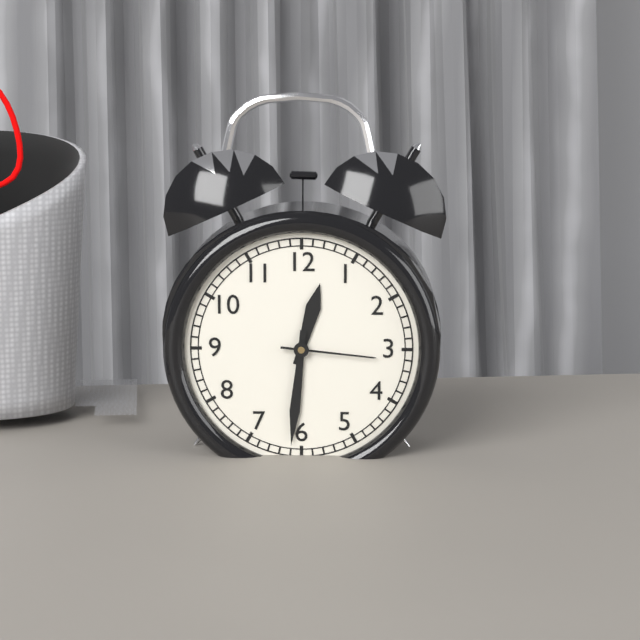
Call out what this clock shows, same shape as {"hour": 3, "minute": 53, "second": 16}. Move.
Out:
{"hour": 12, "minute": 31, "second": 16}
